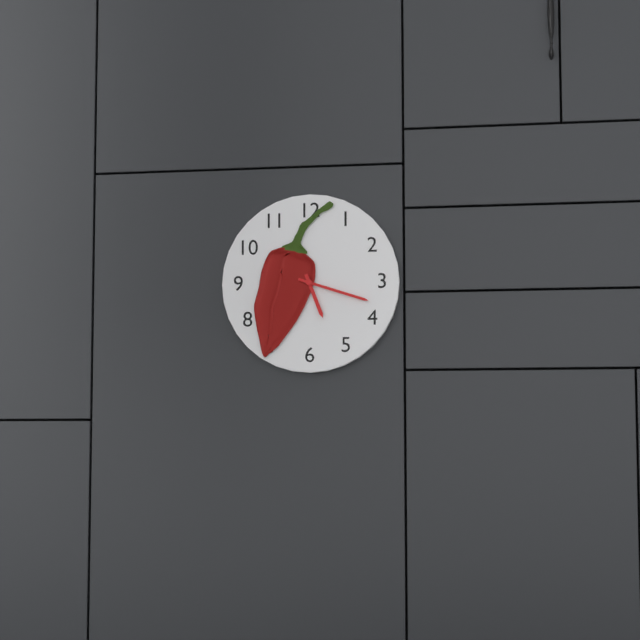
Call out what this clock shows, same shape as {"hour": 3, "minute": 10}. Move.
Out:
{"hour": 5, "minute": 18}
